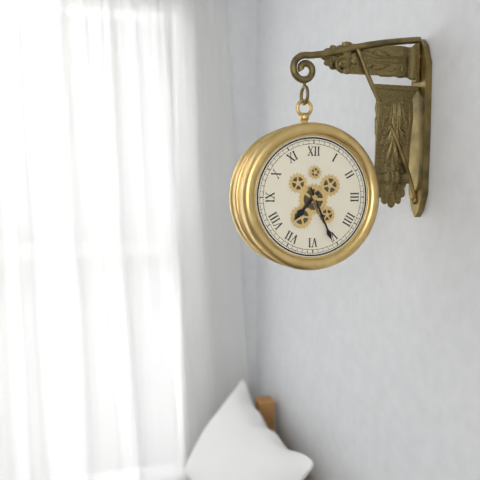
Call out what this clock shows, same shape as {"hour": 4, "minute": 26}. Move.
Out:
{"hour": 7, "minute": 26}
